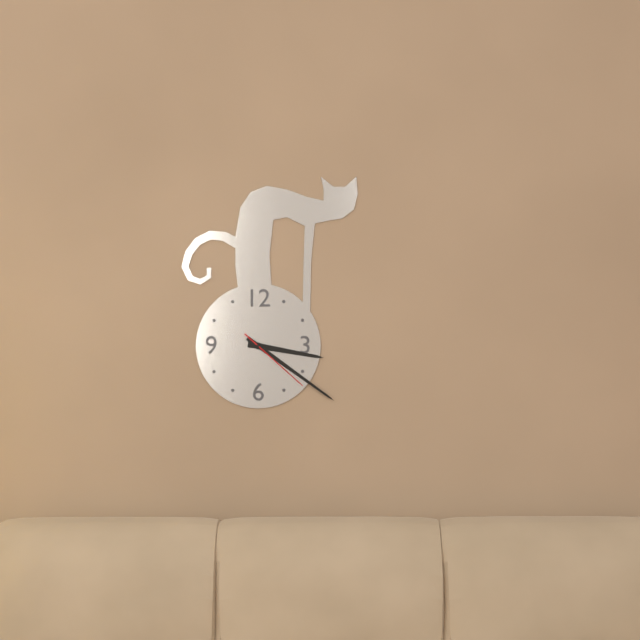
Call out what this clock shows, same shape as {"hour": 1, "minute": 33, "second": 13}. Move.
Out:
{"hour": 3, "minute": 21, "second": 22}
